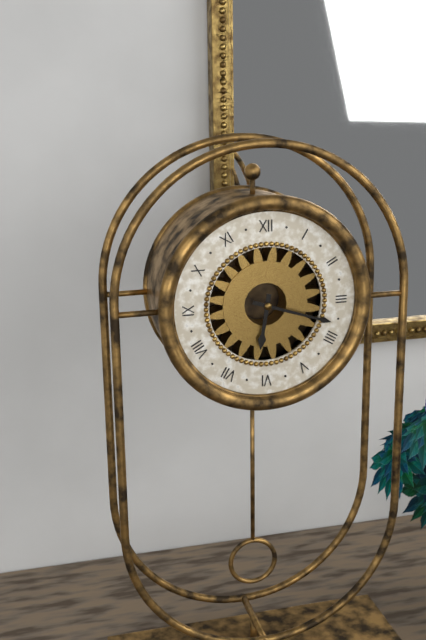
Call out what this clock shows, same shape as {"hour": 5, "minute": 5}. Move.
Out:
{"hour": 6, "minute": 18}
